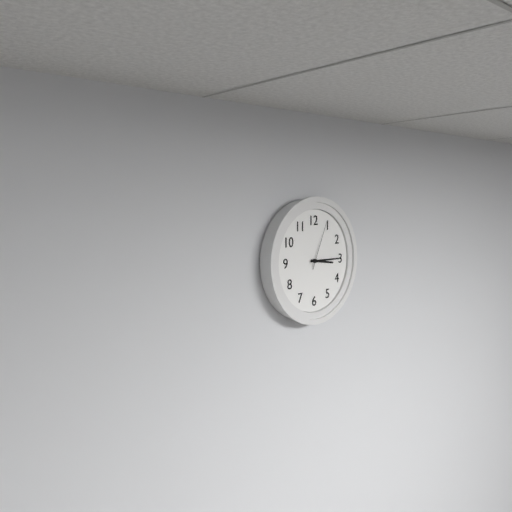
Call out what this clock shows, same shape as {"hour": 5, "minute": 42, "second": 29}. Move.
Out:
{"hour": 3, "minute": 15, "second": 4}
